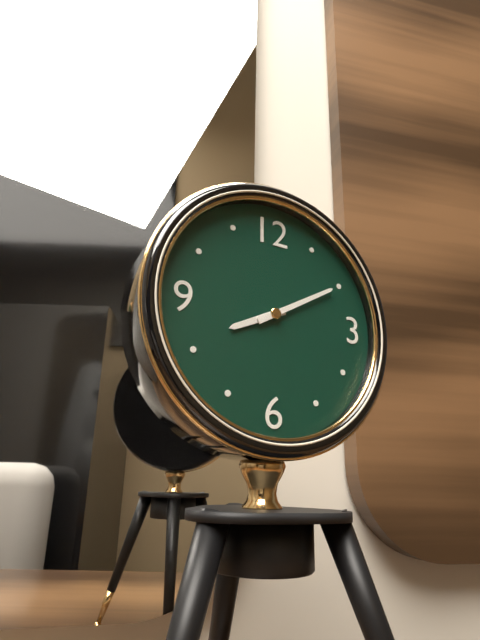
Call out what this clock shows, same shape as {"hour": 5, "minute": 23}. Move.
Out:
{"hour": 8, "minute": 10}
